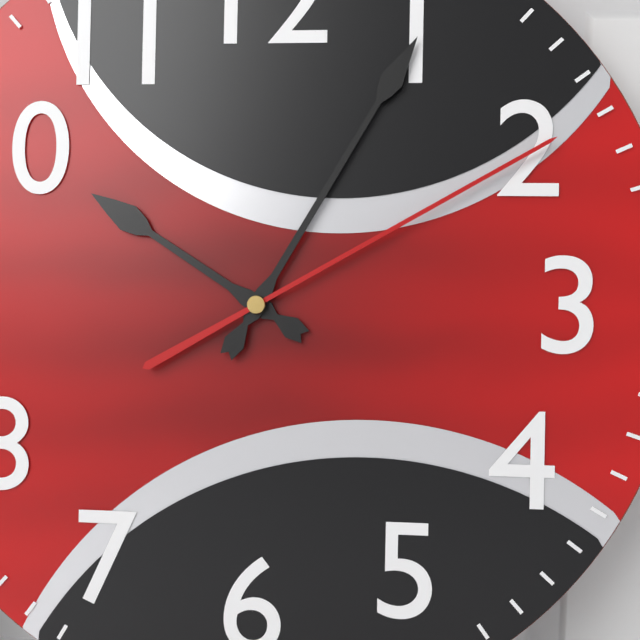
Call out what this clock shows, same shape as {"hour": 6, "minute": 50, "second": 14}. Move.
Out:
{"hour": 10, "minute": 5, "second": 10}
